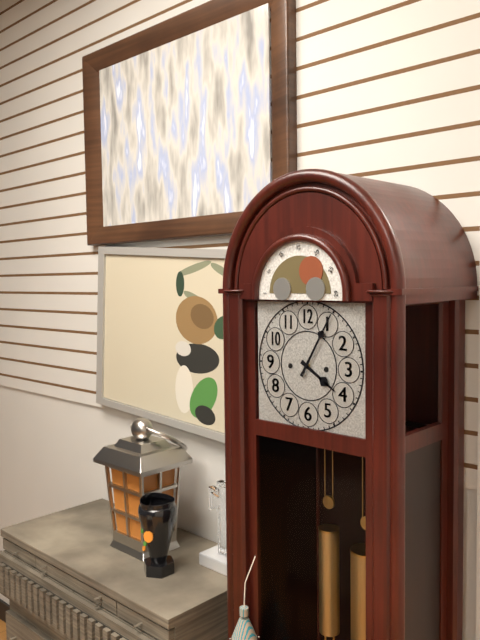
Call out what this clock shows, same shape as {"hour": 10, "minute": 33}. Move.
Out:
{"hour": 4, "minute": 5}
